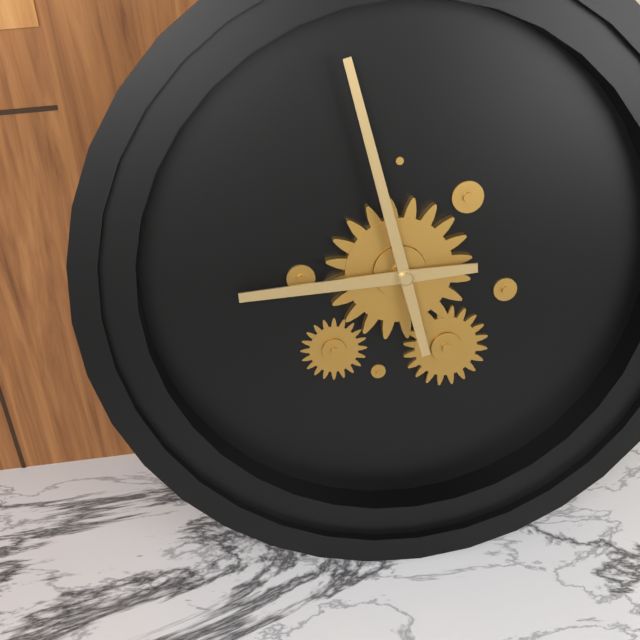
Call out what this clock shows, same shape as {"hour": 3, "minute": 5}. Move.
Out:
{"hour": 8, "minute": 58}
